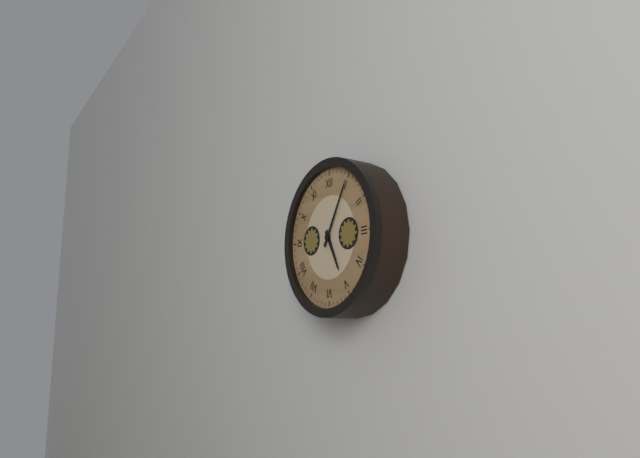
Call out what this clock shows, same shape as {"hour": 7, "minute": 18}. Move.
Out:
{"hour": 5, "minute": 5}
